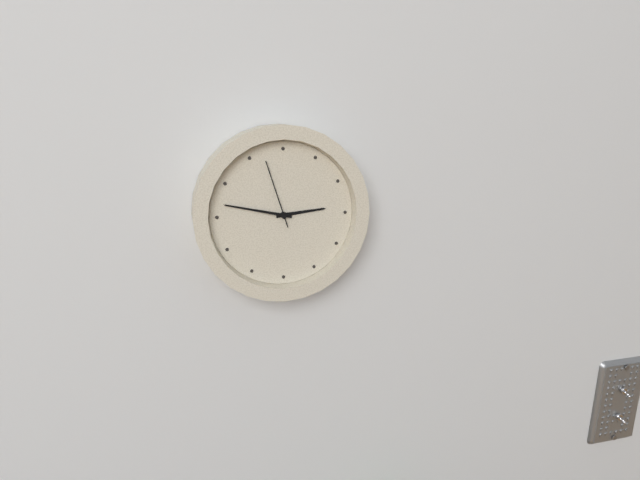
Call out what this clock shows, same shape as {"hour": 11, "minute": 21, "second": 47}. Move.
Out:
{"hour": 2, "minute": 47, "second": 57}
